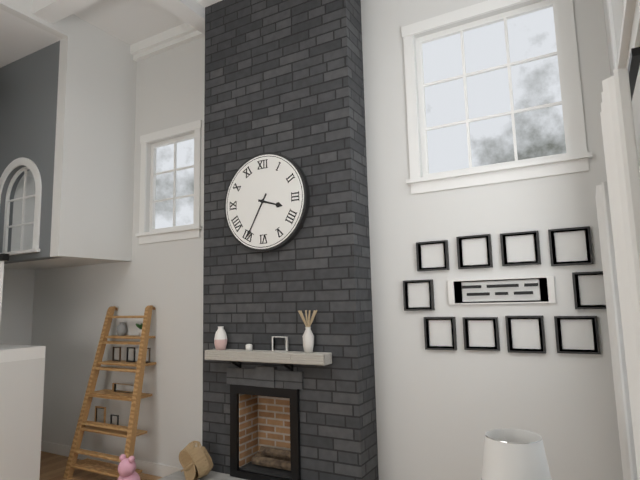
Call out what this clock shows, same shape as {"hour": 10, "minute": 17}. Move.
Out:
{"hour": 3, "minute": 35}
